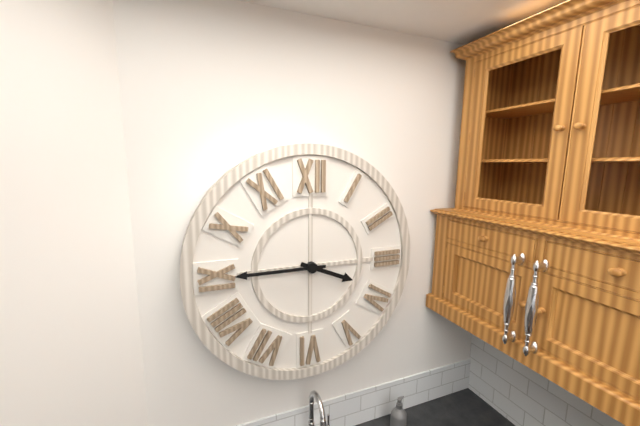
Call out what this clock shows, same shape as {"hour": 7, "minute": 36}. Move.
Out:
{"hour": 3, "minute": 45}
